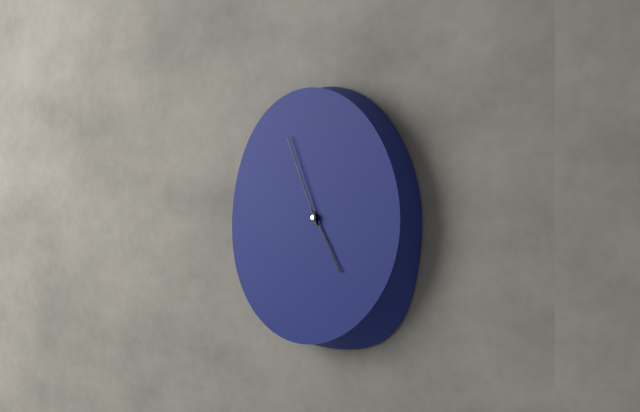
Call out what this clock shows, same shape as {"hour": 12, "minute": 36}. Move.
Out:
{"hour": 4, "minute": 56}
